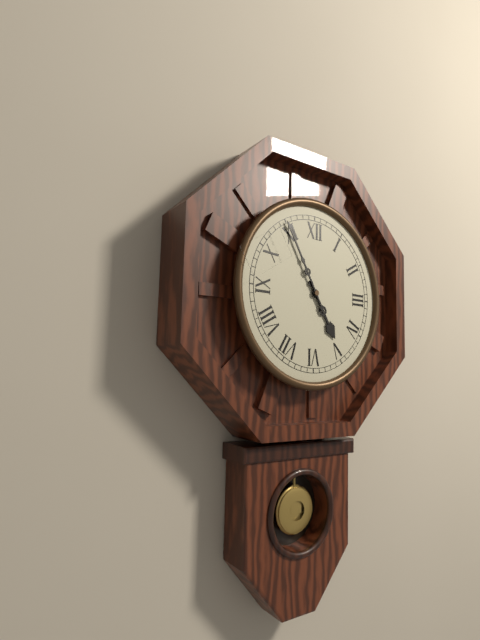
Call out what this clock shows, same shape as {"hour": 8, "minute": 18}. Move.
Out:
{"hour": 4, "minute": 55}
